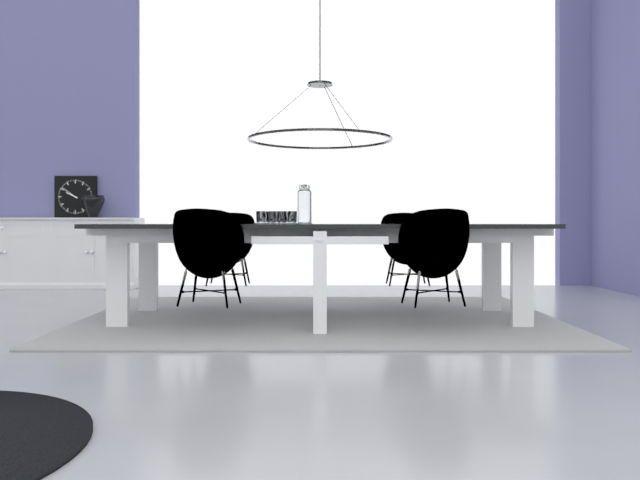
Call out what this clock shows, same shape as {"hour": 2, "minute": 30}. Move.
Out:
{"hour": 9, "minute": 51}
